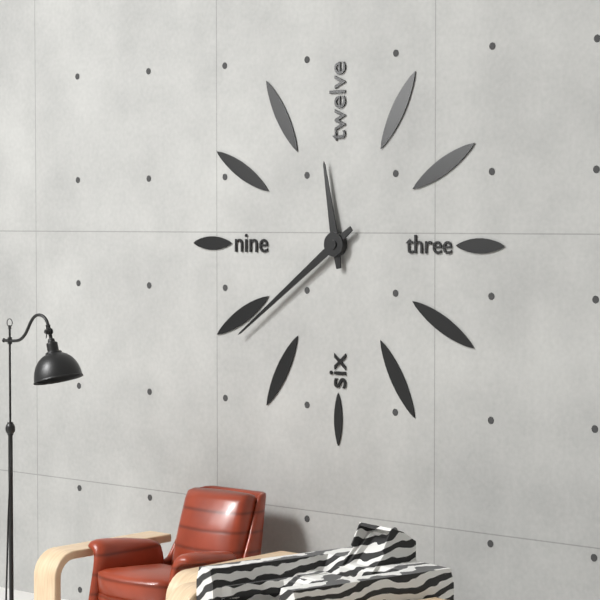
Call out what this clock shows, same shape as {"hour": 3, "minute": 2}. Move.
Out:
{"hour": 11, "minute": 39}
